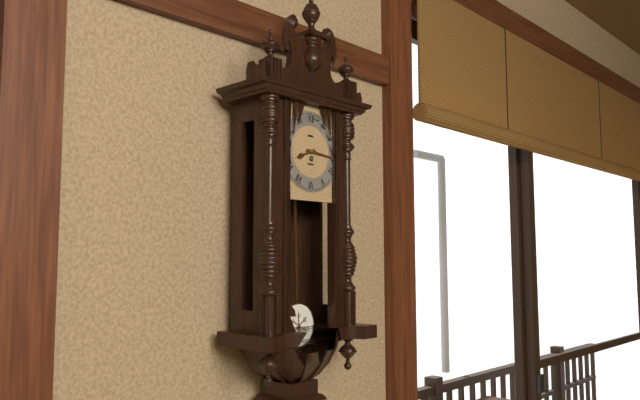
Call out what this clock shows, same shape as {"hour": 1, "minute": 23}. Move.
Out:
{"hour": 8, "minute": 16}
